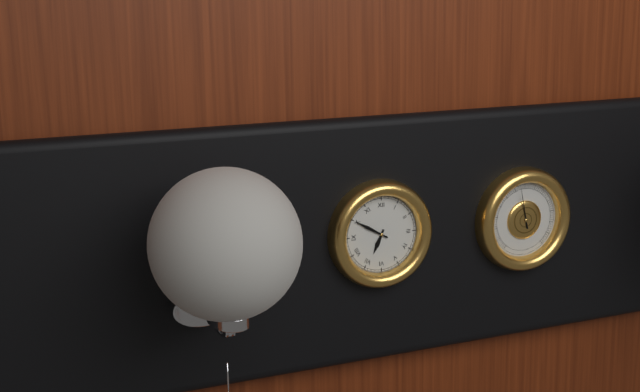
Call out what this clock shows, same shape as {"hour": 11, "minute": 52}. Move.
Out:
{"hour": 6, "minute": 50}
